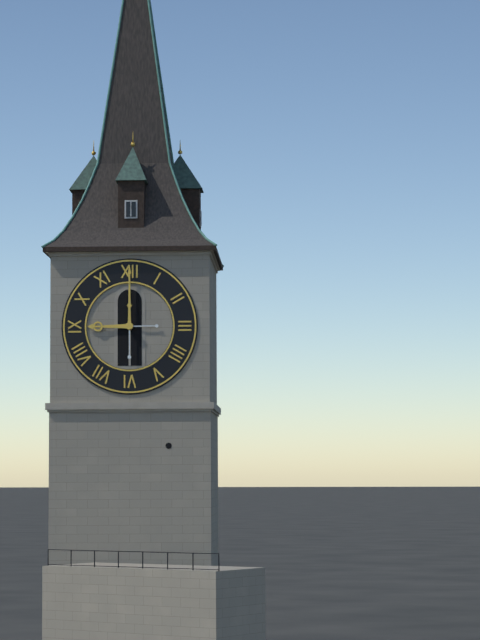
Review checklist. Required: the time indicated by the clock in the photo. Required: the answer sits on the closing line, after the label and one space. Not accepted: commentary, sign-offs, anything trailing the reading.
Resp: 9:00
